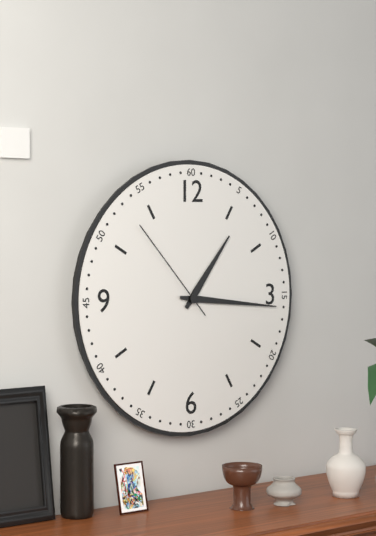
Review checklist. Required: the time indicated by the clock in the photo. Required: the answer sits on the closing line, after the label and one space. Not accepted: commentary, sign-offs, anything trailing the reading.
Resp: 1:16:53
